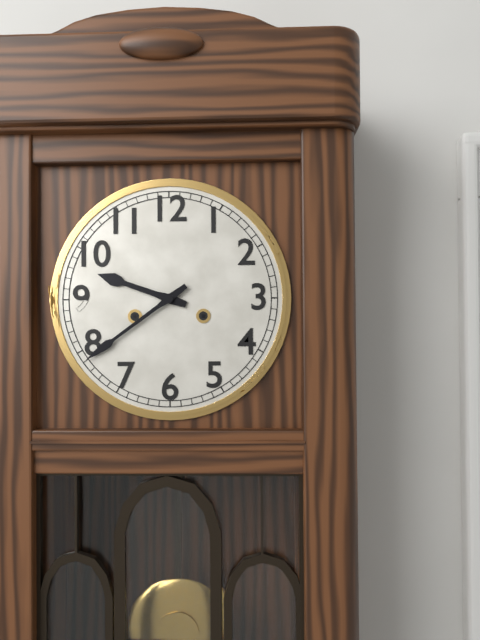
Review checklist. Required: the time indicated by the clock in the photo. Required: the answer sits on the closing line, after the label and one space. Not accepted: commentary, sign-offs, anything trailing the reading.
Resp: 9:39
